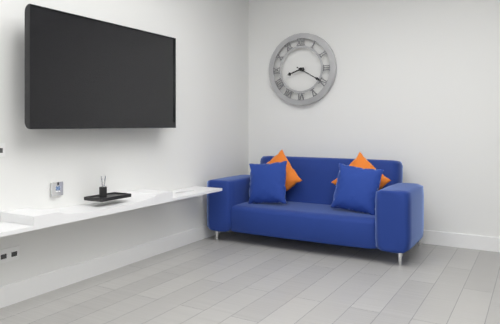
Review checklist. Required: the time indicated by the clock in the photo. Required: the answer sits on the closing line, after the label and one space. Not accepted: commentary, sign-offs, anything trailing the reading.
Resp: 8:20
